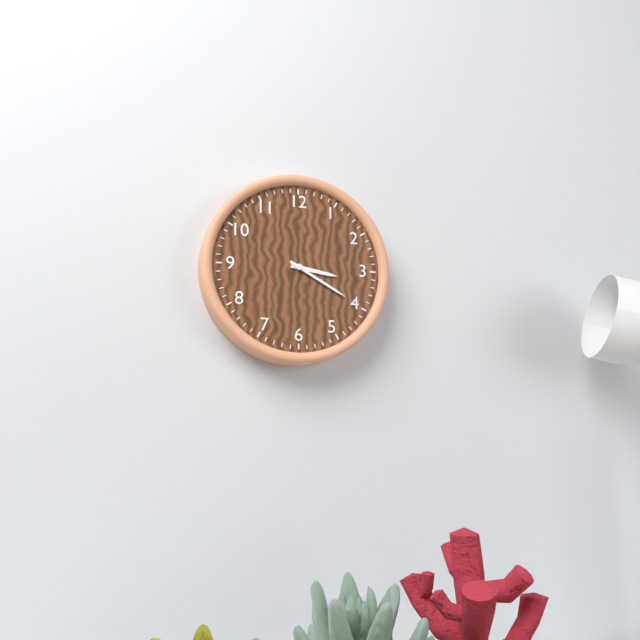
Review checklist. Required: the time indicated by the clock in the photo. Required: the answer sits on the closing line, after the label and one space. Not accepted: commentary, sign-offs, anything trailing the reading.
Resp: 3:20
